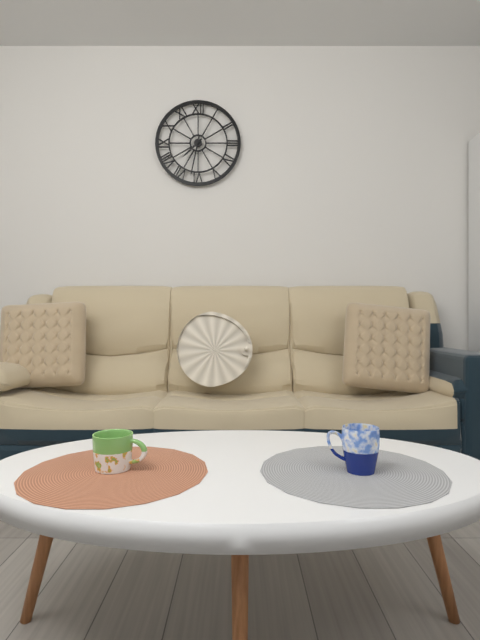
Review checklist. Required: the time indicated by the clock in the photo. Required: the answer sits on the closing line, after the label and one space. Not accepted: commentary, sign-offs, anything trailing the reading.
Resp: 7:32
